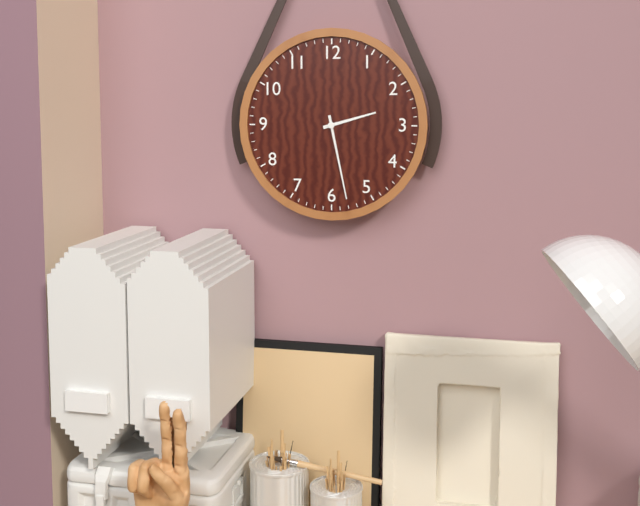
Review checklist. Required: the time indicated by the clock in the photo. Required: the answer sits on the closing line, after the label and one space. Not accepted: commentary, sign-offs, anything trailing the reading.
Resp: 2:28
